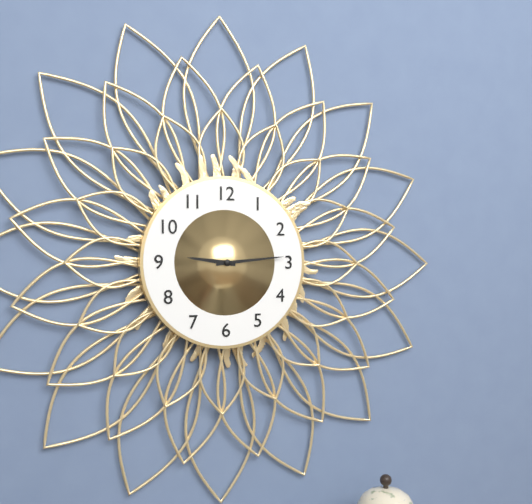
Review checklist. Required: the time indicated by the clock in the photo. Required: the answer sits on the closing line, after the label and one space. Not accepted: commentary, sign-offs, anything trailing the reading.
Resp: 9:14
